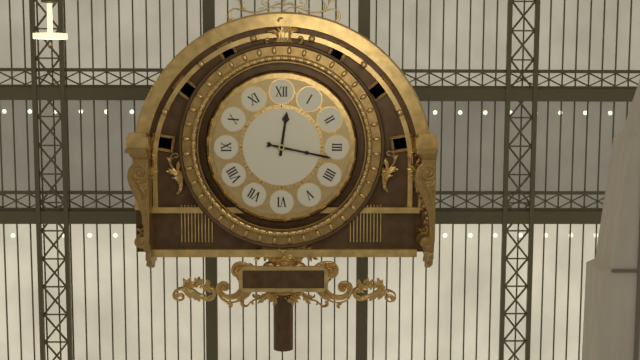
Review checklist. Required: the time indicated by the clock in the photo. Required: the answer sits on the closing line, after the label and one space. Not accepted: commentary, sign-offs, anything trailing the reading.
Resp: 12:17
